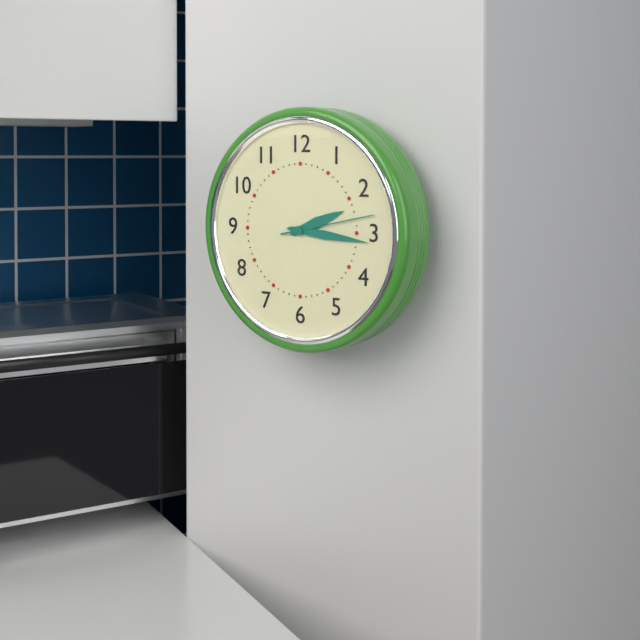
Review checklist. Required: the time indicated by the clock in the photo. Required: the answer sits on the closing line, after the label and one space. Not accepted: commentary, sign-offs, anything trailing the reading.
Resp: 2:16:13
